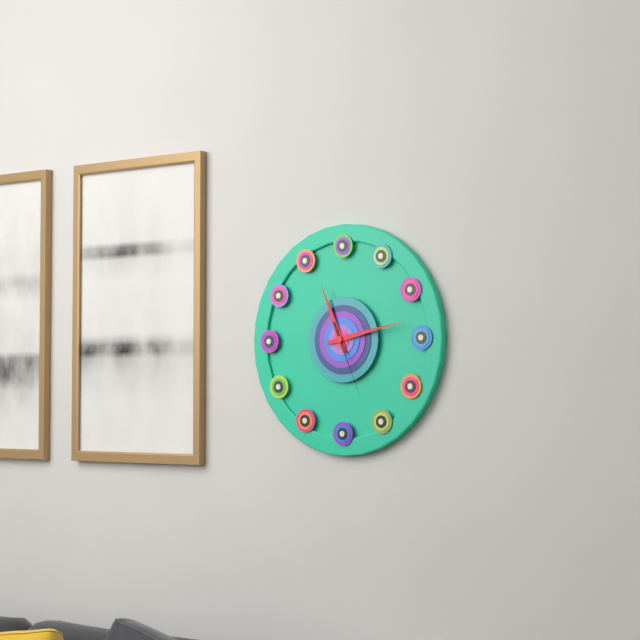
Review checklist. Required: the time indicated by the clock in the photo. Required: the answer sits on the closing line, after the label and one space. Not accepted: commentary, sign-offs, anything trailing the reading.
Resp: 11:13:26
